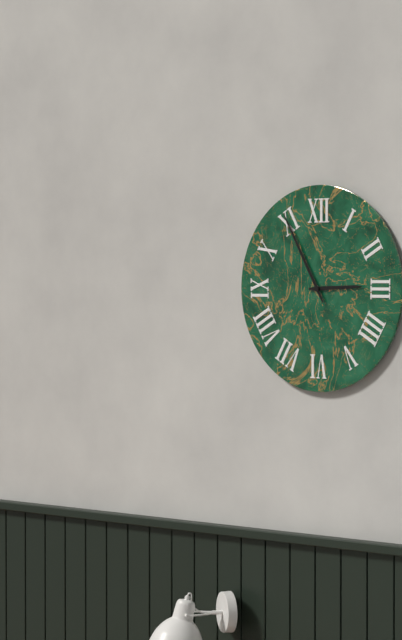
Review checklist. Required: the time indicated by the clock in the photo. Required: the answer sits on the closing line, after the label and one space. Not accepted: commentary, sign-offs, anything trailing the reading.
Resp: 2:55
